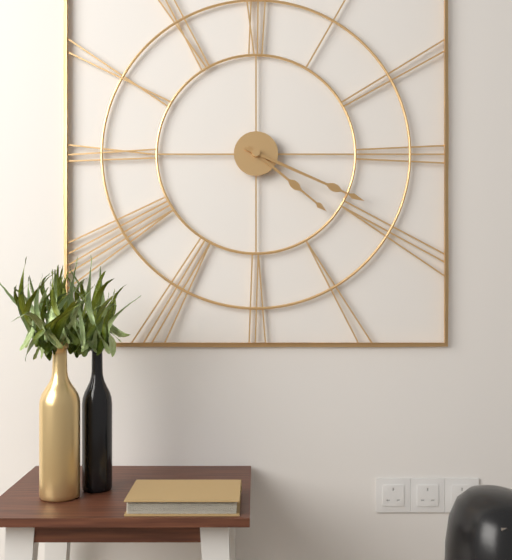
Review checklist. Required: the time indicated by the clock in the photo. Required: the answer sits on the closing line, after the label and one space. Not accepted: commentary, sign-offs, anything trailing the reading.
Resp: 4:19
